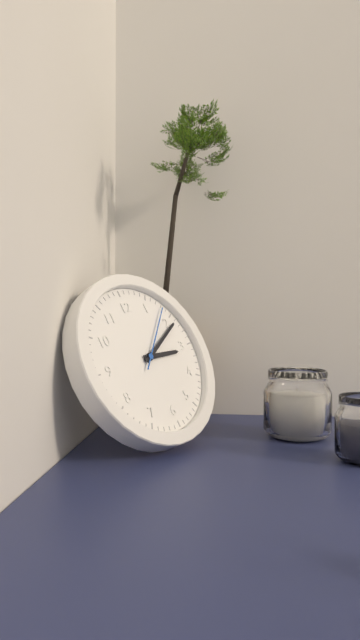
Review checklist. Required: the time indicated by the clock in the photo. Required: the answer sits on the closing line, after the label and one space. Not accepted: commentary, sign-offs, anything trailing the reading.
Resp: 3:11:08
